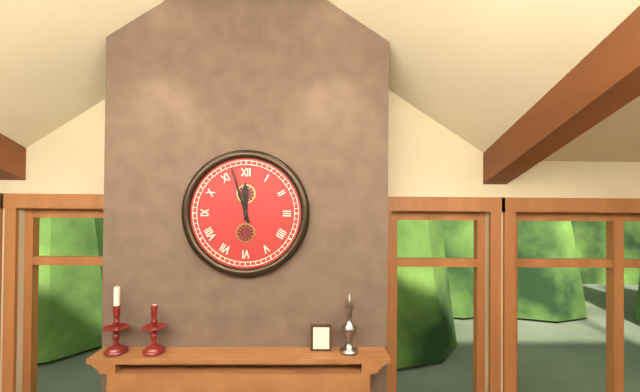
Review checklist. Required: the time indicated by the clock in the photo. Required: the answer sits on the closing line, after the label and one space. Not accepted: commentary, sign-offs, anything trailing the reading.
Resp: 11:57
